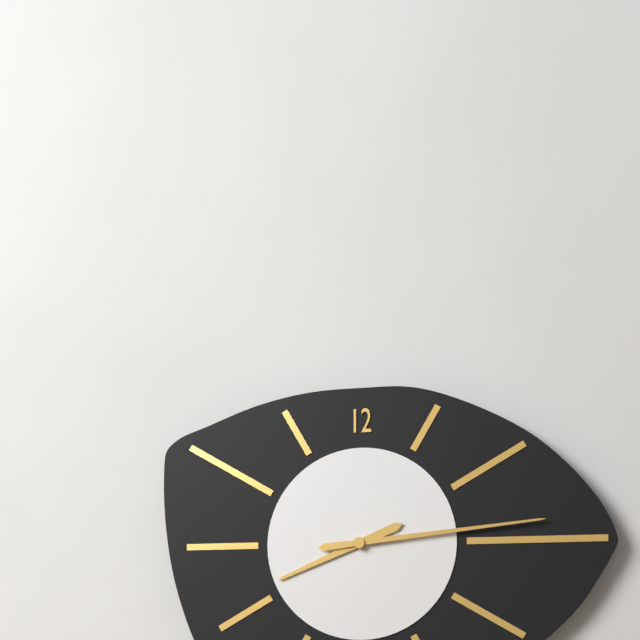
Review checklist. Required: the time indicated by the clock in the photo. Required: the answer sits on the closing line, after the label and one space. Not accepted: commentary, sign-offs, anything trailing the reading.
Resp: 8:14
